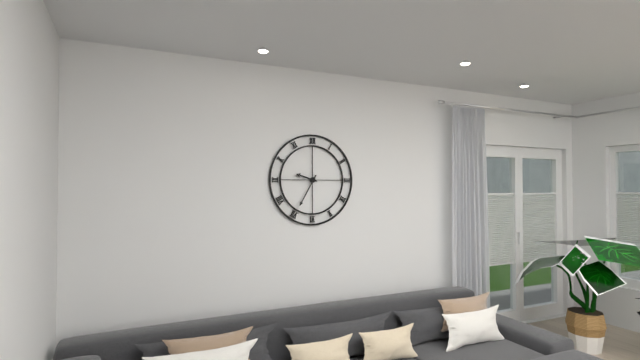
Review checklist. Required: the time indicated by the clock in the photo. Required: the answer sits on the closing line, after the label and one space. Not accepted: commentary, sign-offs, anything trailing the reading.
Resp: 9:35
